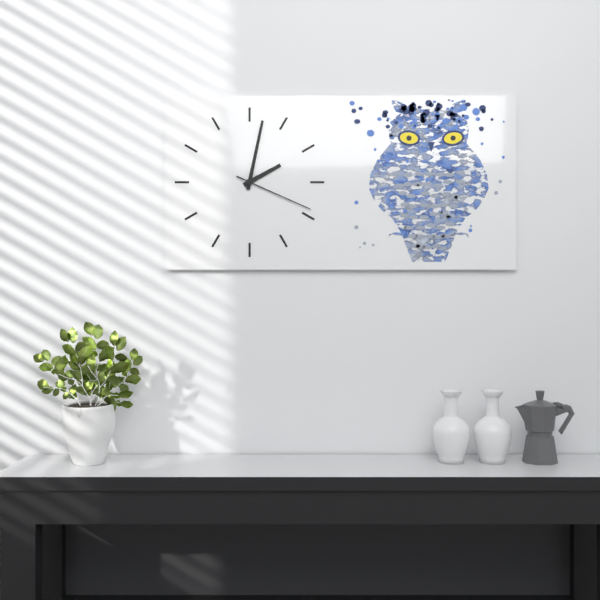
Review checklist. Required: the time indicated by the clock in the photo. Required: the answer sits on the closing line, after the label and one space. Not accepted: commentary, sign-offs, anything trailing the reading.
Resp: 2:02:19
